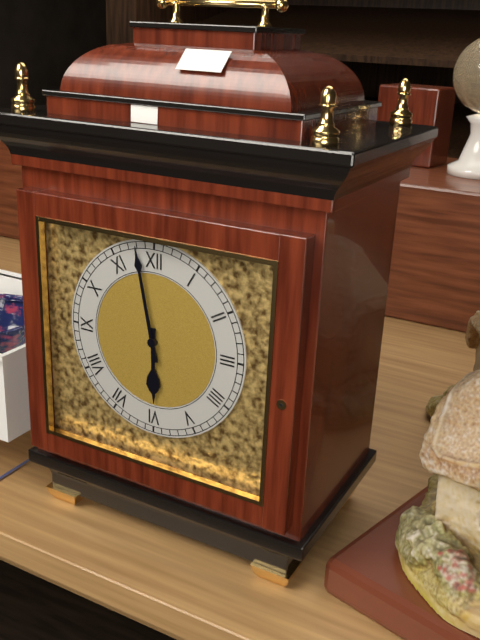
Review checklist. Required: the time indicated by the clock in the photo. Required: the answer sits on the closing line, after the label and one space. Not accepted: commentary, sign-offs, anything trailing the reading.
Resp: 5:58
